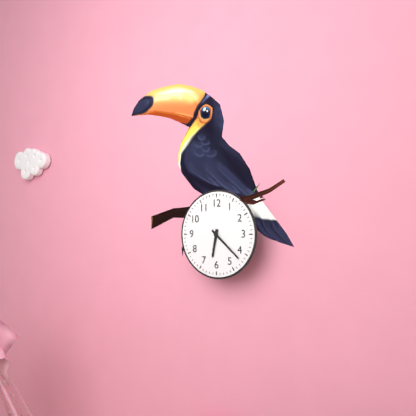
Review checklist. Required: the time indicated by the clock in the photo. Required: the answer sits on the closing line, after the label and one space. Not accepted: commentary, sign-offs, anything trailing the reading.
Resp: 6:22
